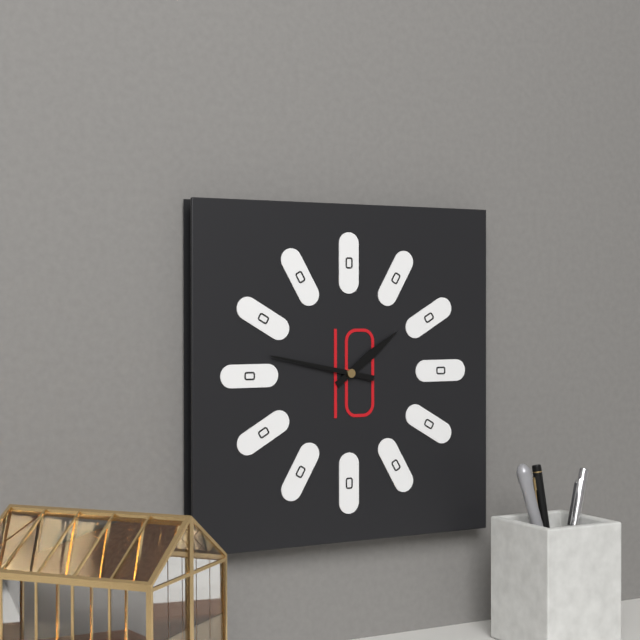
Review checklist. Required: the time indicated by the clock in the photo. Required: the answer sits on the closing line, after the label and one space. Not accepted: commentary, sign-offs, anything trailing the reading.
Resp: 1:47
